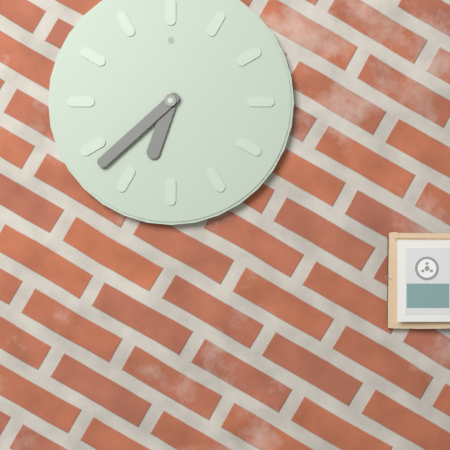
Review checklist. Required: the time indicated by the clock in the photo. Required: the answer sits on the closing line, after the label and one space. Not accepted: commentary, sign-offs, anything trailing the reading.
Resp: 6:38
